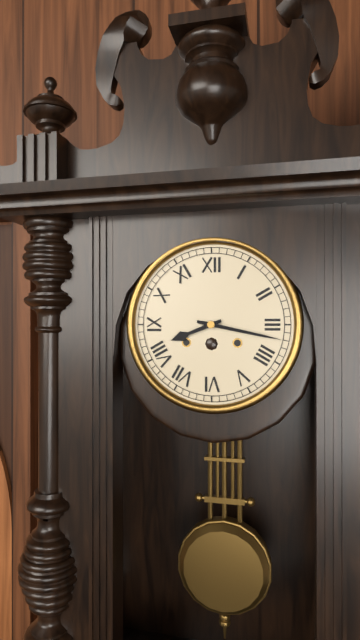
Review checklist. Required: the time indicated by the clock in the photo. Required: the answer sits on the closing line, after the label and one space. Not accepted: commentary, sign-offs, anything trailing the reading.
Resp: 8:17
